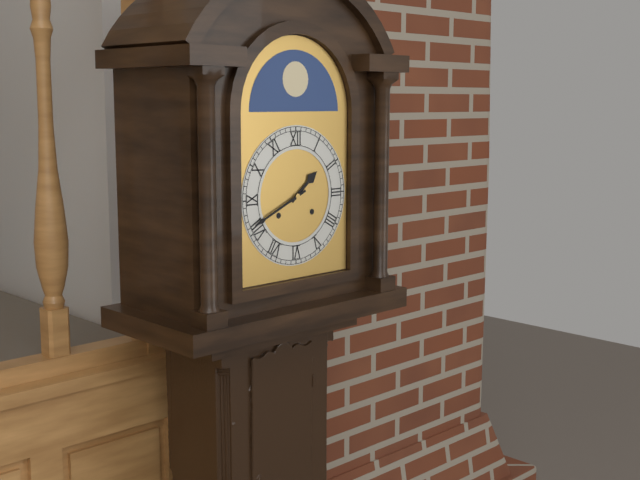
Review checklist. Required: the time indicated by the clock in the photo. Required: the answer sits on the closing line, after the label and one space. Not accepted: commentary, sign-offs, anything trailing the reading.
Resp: 1:41
